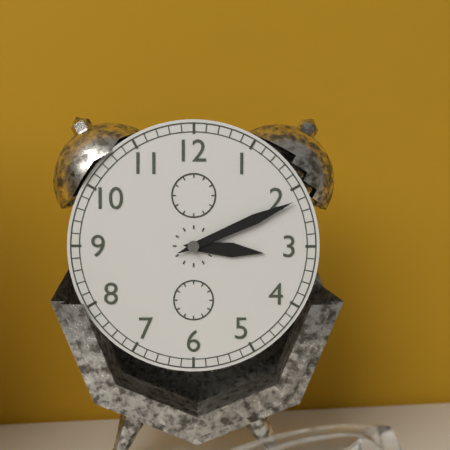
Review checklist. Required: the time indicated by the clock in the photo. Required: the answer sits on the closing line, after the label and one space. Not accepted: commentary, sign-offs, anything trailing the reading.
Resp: 3:11
